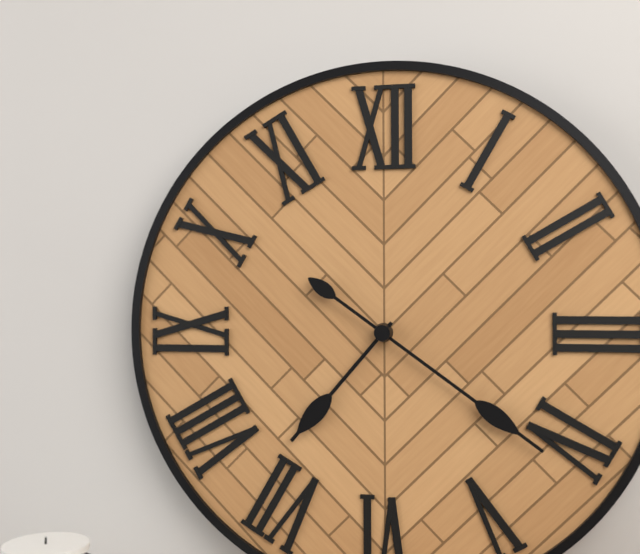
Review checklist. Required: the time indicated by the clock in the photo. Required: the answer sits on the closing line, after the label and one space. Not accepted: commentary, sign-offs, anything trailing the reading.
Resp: 7:21
